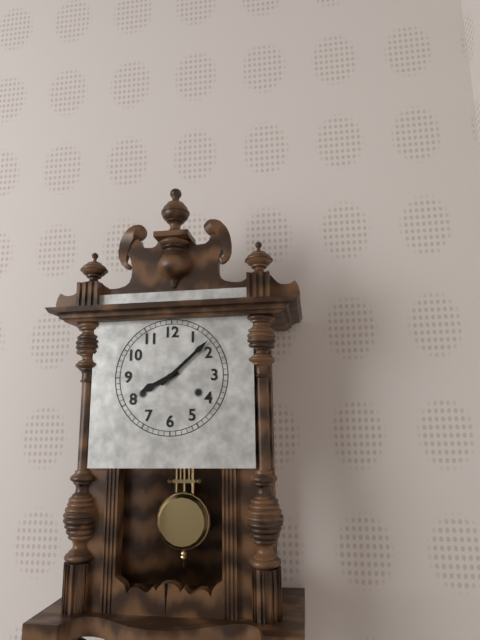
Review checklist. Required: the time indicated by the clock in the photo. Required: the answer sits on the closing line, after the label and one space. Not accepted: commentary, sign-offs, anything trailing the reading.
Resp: 8:08
